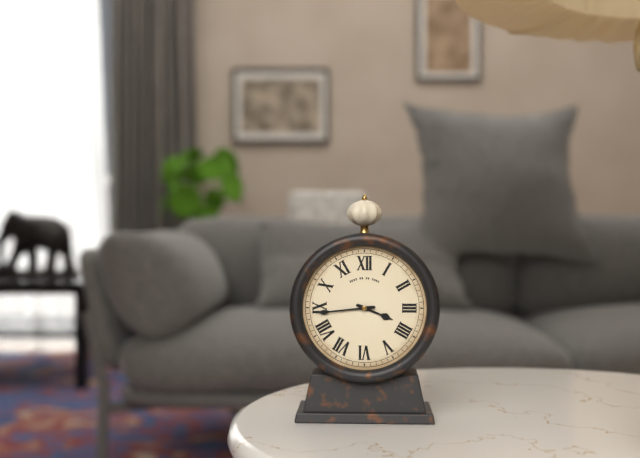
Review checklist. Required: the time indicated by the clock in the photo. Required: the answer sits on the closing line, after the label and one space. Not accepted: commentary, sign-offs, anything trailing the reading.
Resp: 3:44
